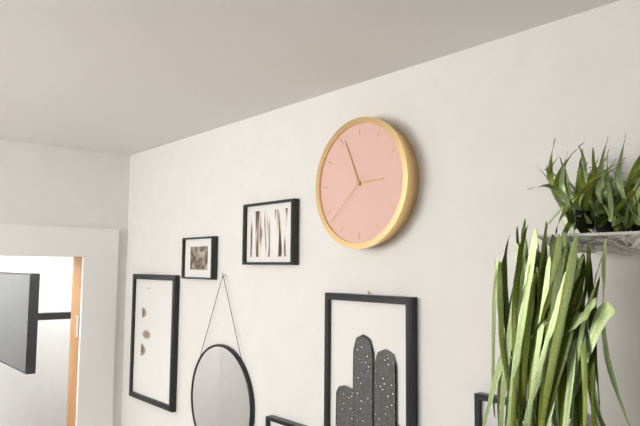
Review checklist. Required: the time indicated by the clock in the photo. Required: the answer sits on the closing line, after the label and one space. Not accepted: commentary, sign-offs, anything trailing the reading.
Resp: 2:56:38
